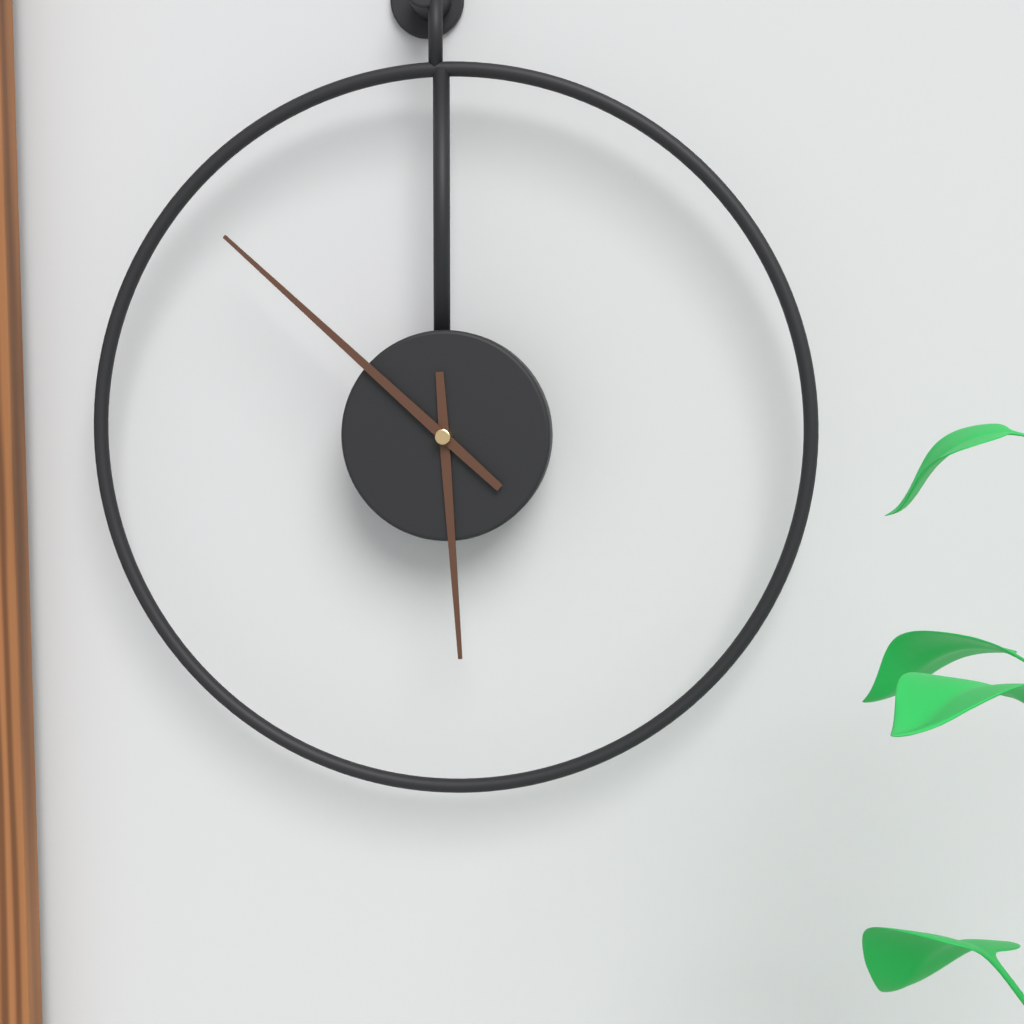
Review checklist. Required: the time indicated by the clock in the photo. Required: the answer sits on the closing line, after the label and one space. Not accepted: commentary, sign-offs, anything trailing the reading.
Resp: 5:52
